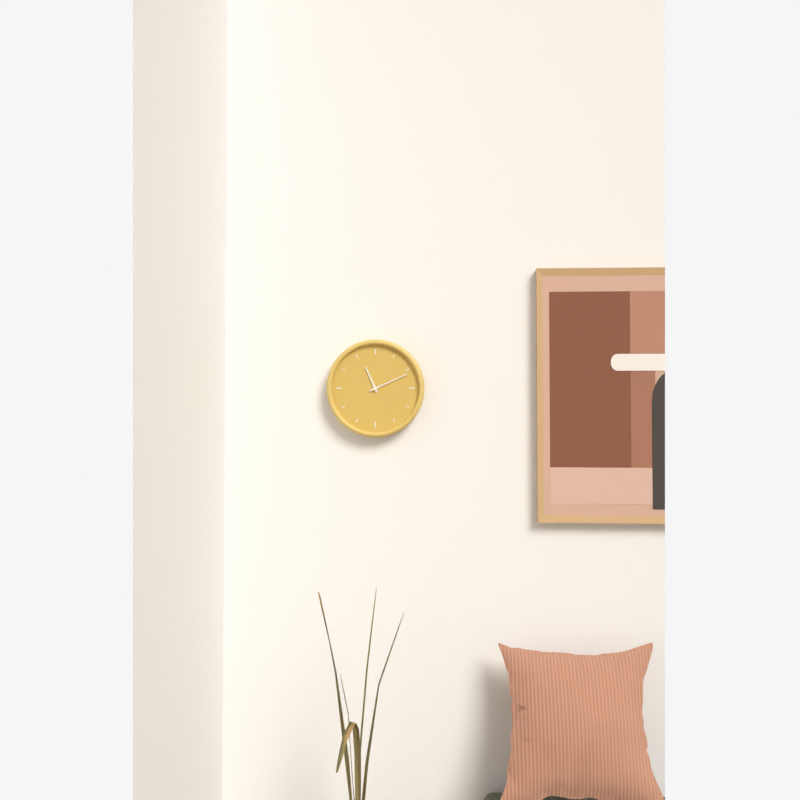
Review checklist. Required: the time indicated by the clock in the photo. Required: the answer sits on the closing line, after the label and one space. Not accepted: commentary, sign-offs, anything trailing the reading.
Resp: 11:11
